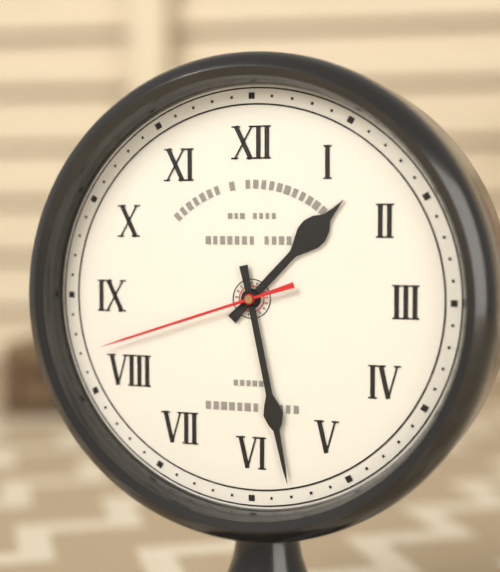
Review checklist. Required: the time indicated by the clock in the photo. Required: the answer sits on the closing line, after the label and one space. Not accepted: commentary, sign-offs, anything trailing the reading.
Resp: 1:28:42
